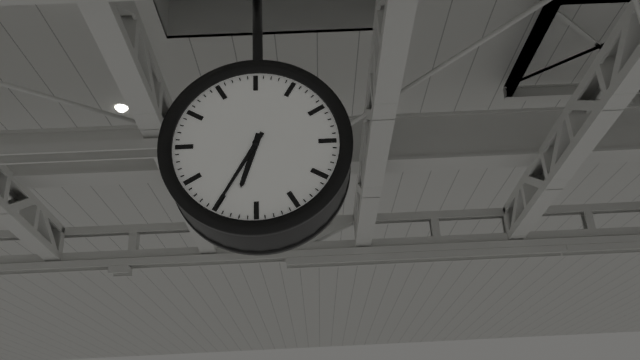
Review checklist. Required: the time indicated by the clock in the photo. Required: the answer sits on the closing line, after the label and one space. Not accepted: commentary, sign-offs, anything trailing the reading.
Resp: 6:35
